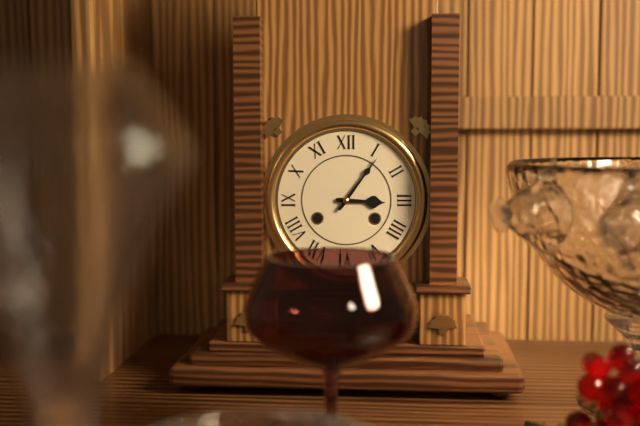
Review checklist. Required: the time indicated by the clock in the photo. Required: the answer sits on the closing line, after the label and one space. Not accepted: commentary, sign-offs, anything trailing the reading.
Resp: 3:06
